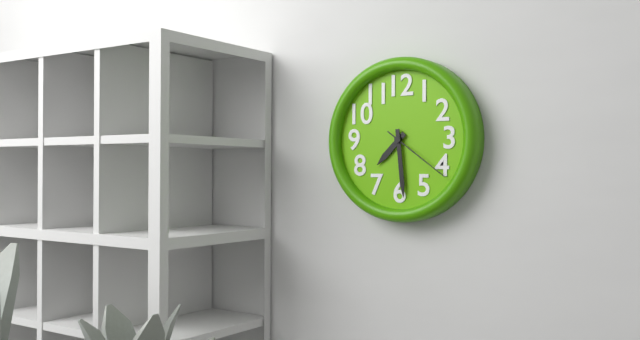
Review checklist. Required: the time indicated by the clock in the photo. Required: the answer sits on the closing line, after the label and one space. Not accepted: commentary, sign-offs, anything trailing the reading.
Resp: 7:29:21
